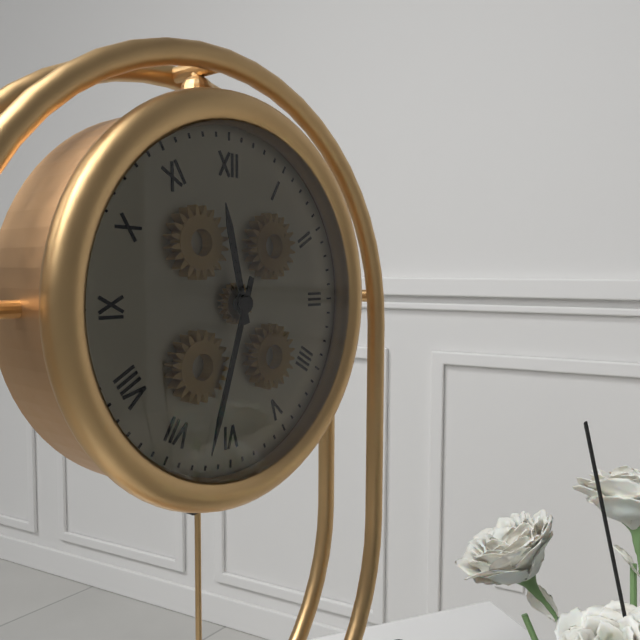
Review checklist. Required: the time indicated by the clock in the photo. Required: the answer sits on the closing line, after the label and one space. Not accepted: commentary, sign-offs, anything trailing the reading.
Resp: 11:33
